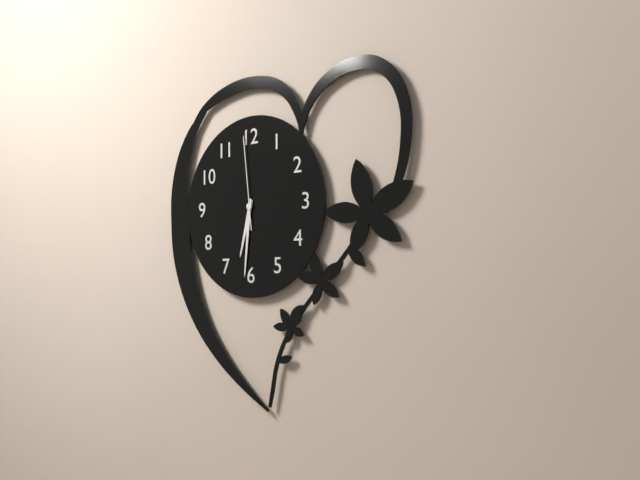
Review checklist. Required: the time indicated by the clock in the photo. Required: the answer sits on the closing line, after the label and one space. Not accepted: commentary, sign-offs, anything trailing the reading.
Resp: 6:31:59
